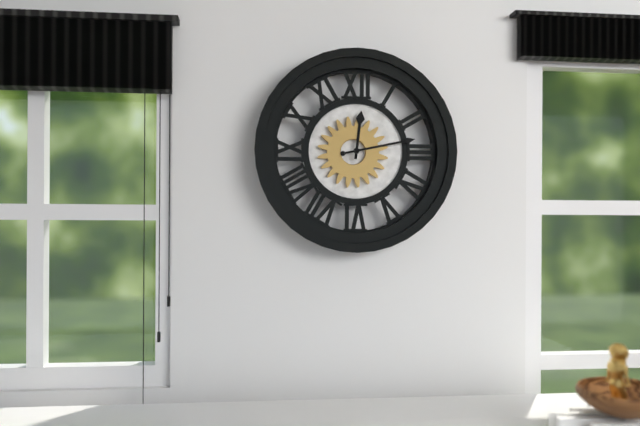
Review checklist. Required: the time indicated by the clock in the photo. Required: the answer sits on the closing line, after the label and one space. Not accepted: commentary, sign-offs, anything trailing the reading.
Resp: 12:13
